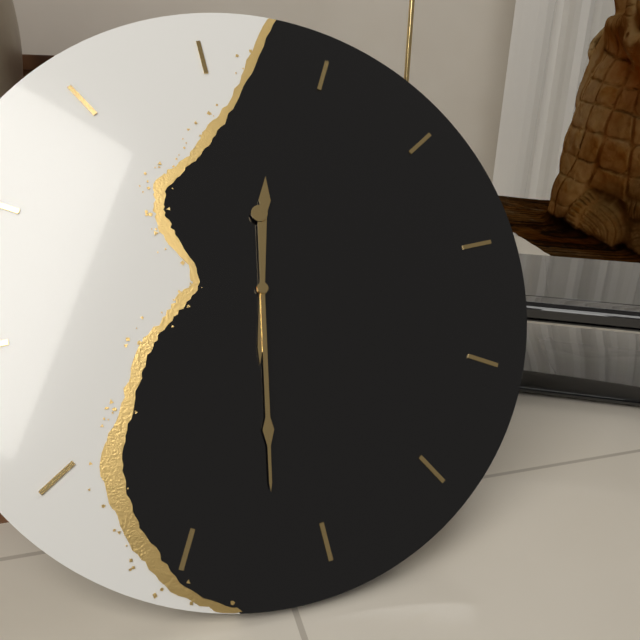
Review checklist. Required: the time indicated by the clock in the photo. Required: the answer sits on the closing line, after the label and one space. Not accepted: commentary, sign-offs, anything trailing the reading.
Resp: 12:32
